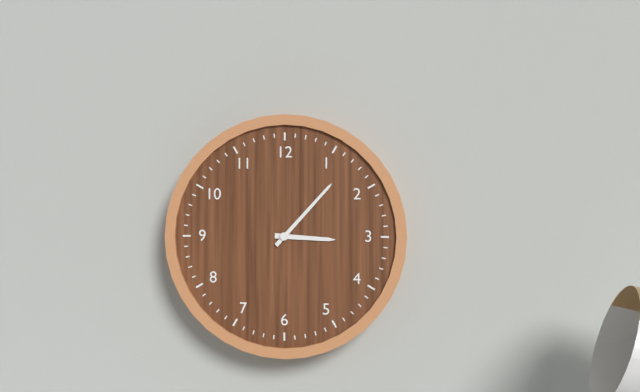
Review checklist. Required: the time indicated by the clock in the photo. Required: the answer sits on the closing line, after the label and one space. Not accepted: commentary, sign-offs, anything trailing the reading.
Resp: 3:07
